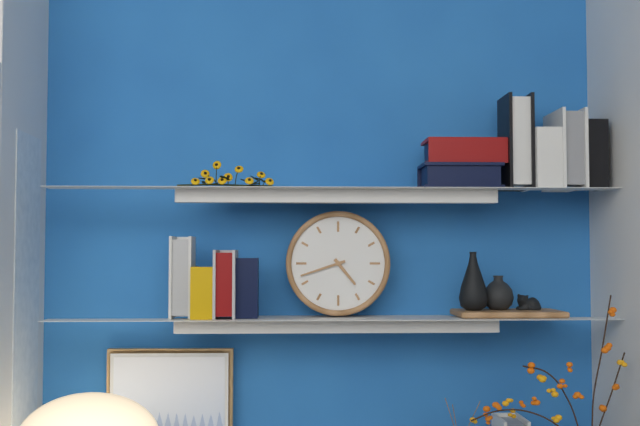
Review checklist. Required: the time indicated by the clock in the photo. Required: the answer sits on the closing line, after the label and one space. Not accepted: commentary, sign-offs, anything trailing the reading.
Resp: 4:42
